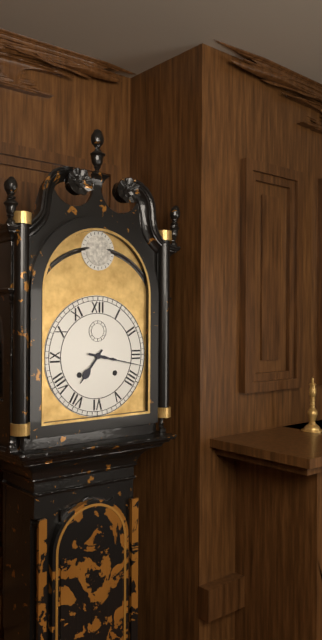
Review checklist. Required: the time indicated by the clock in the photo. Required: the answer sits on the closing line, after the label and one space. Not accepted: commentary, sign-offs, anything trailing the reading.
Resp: 7:17
